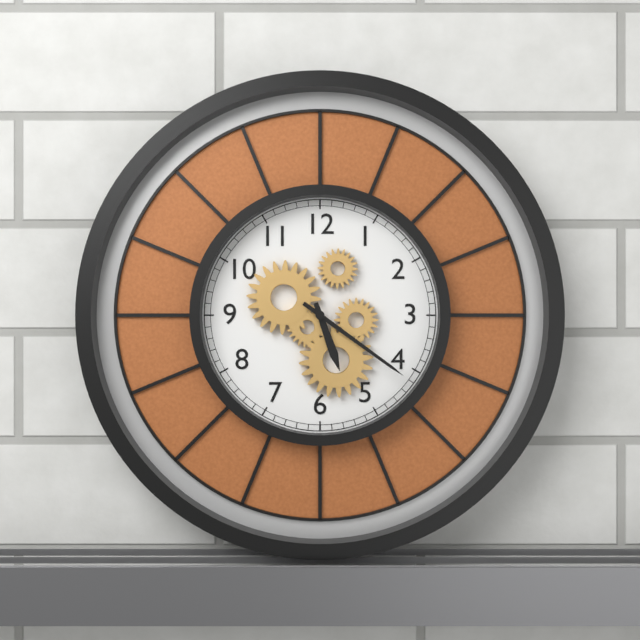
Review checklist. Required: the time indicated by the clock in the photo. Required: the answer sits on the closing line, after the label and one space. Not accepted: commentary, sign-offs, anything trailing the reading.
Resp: 5:21
